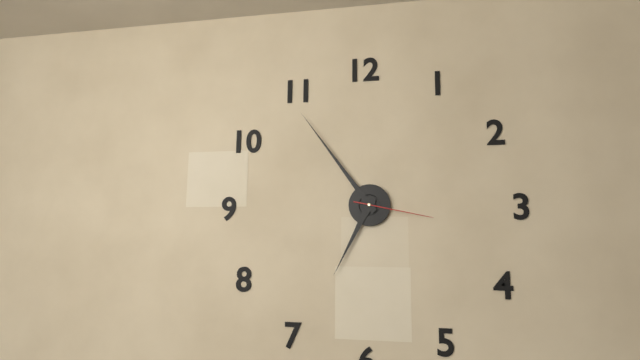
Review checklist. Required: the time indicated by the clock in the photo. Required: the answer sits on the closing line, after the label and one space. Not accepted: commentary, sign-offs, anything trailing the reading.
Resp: 6:54:17
